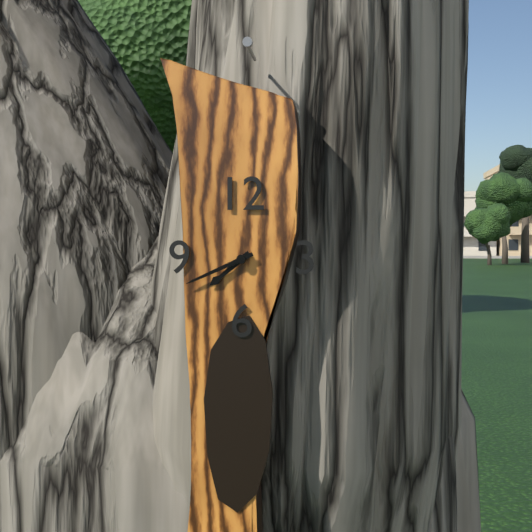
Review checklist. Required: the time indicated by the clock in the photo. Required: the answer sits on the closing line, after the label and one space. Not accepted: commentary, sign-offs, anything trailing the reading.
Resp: 7:41
